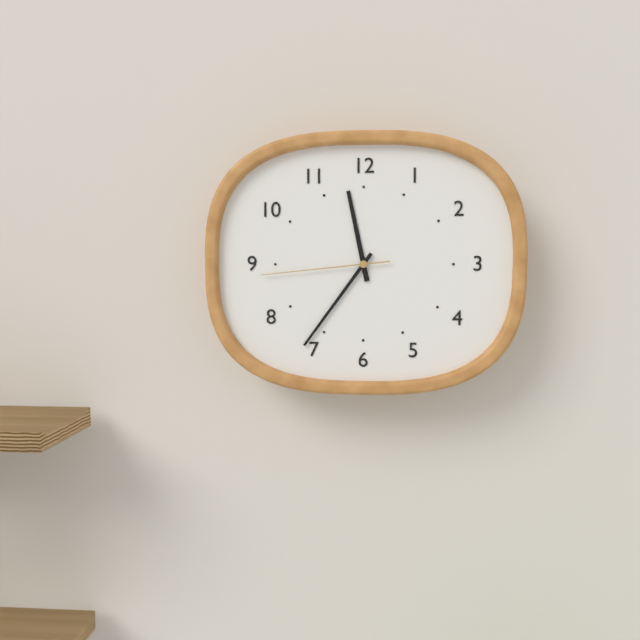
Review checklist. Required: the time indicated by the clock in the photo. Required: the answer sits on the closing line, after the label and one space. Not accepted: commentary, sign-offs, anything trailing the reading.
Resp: 11:36:44
